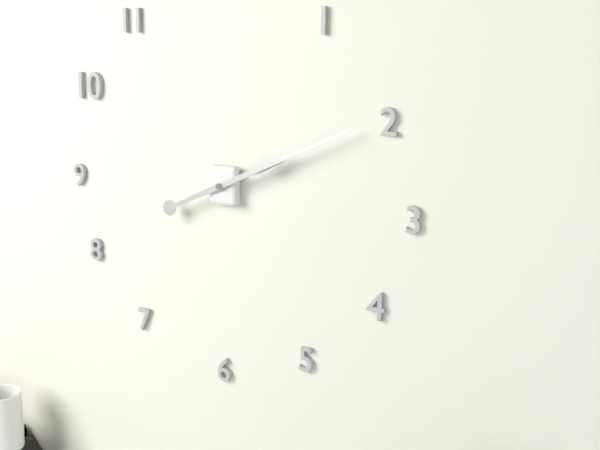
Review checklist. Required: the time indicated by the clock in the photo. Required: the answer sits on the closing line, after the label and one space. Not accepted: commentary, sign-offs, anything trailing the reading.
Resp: 2:11
